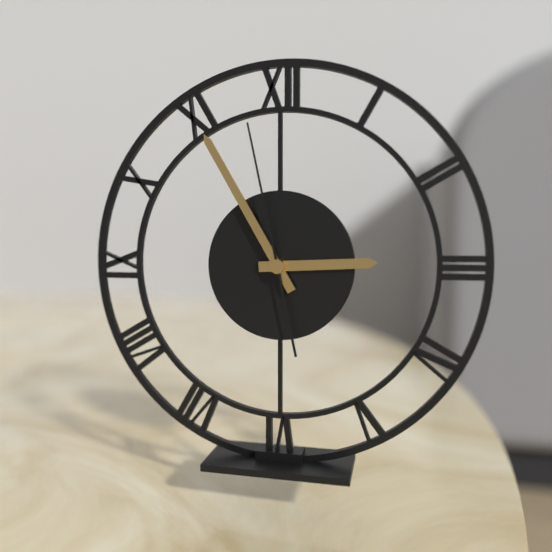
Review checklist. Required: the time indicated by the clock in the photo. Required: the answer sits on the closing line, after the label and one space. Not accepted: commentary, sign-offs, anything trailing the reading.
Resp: 2:55:58
